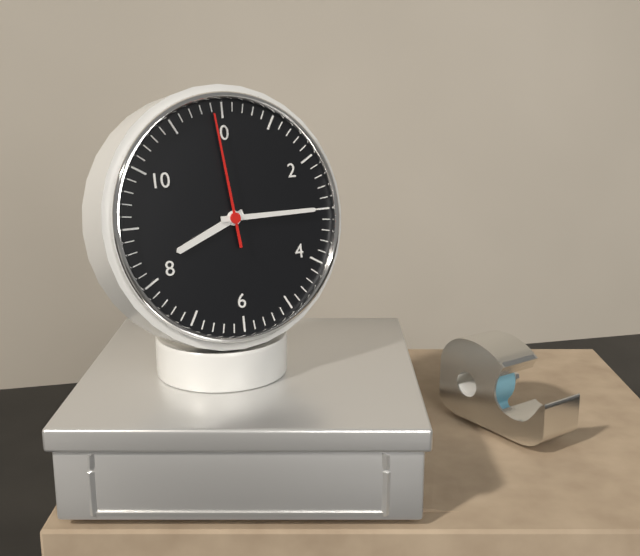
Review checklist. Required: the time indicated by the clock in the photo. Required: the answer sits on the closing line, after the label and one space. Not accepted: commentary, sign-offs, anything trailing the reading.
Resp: 8:15:59
